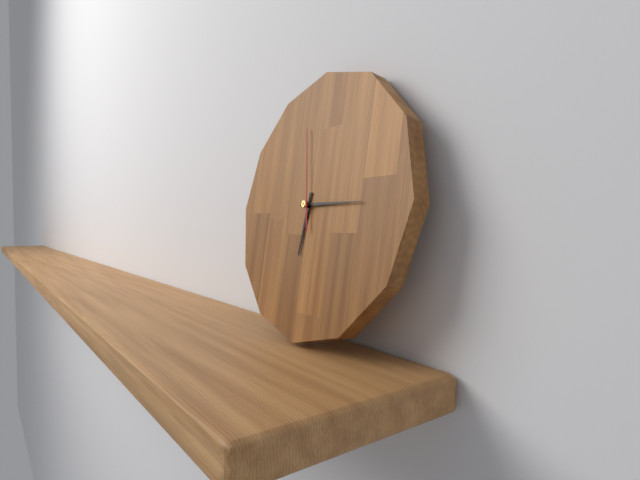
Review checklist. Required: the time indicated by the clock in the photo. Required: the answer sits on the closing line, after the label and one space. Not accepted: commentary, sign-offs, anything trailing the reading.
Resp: 6:15:58
